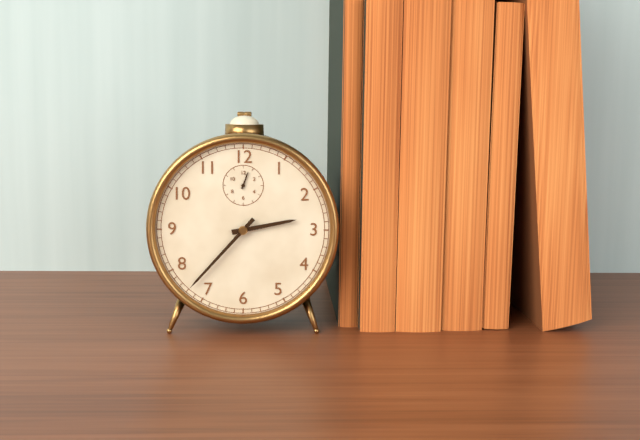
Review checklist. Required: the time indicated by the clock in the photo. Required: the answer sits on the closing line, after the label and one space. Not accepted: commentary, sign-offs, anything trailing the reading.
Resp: 2:37
